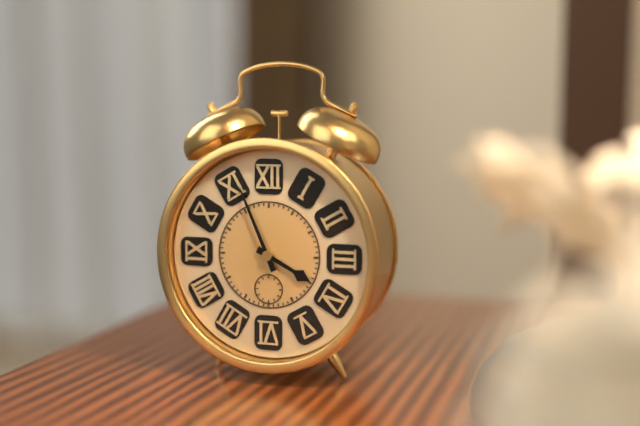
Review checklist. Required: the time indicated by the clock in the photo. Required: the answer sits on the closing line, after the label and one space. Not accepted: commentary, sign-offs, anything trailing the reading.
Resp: 3:56
